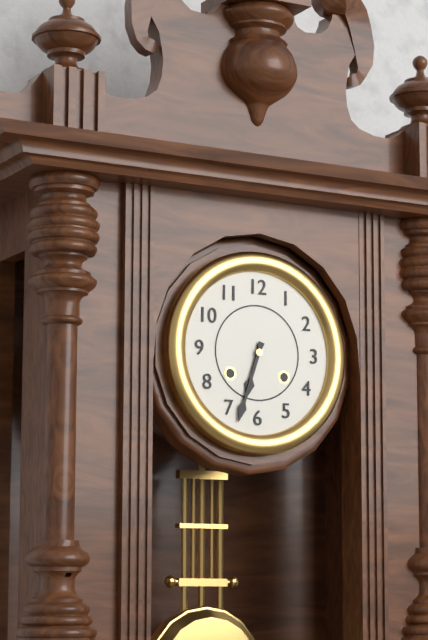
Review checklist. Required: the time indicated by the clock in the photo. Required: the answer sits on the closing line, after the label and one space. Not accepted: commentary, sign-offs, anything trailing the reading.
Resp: 6:33
